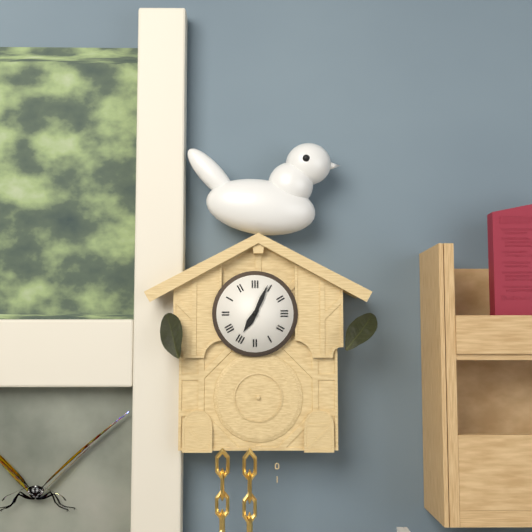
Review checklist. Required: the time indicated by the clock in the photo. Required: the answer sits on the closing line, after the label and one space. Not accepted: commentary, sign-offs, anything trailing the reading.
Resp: 7:04
